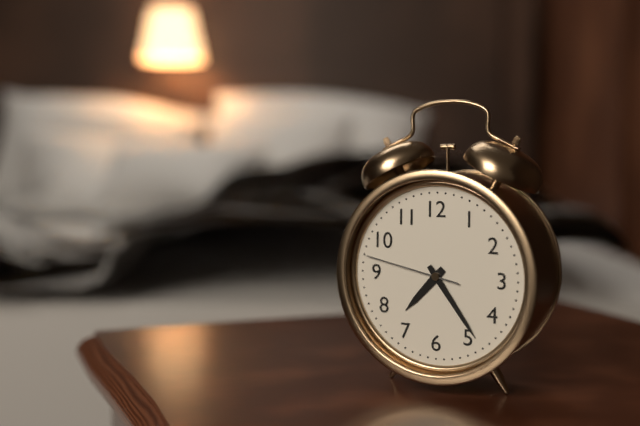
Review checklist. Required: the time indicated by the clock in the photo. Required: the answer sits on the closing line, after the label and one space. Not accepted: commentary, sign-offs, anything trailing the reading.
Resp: 7:24:47
